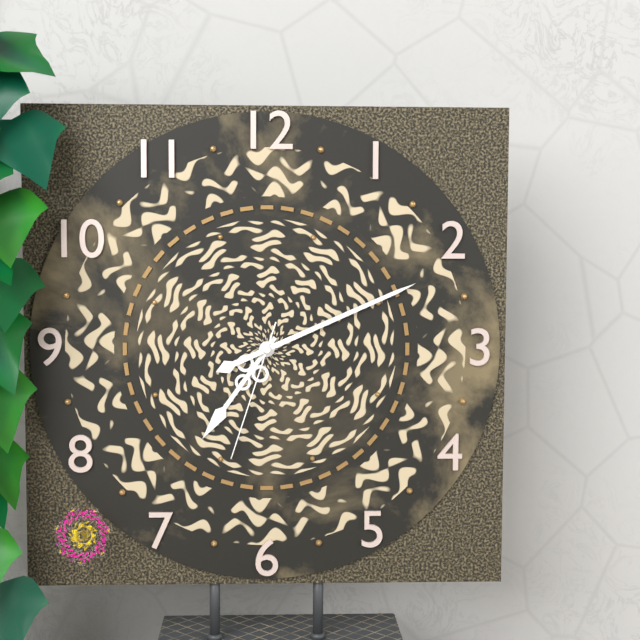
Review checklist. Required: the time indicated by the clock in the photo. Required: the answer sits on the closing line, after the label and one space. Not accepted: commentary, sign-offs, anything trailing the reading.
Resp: 7:11:33
